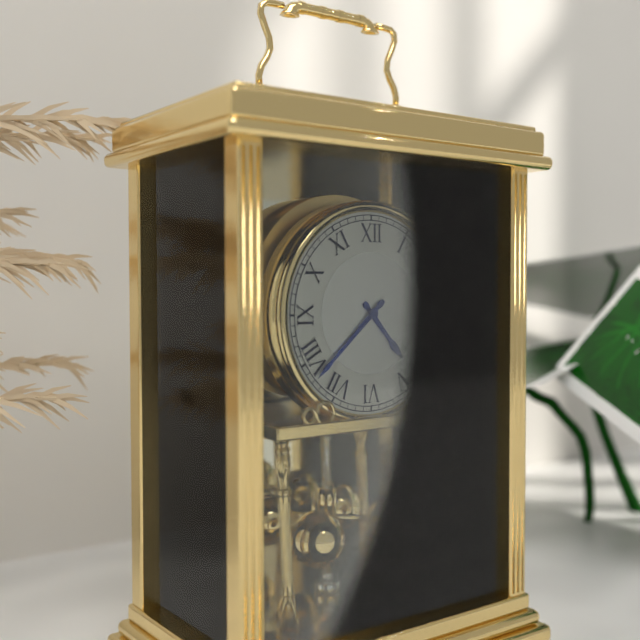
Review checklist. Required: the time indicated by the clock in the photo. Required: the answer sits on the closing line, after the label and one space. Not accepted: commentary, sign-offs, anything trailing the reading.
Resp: 4:38
